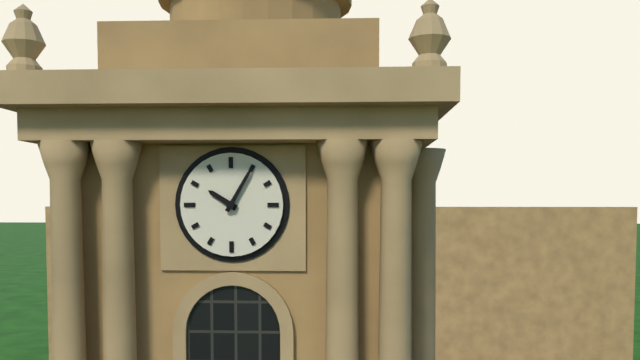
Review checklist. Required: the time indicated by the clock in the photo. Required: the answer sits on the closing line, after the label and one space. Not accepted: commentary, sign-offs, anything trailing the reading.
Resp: 10:05
